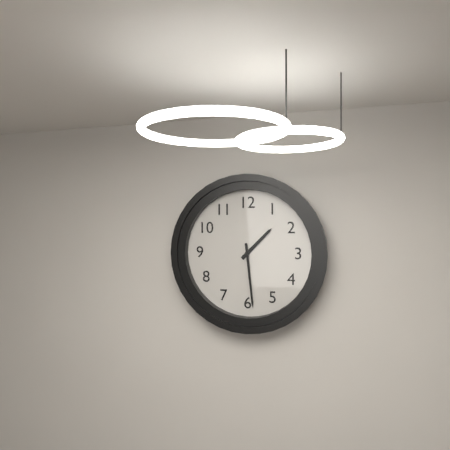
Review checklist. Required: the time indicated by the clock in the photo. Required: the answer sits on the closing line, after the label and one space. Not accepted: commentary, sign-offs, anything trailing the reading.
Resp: 1:29
